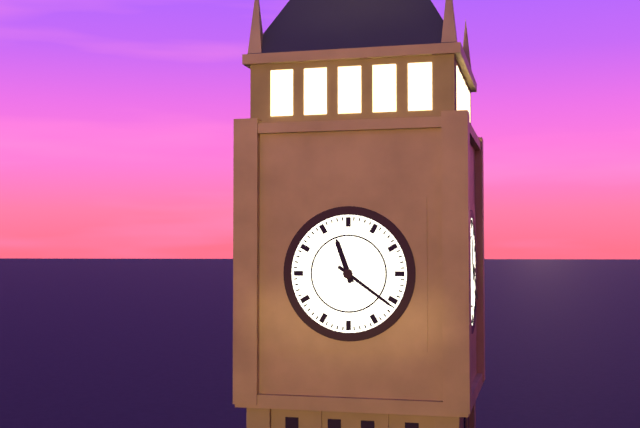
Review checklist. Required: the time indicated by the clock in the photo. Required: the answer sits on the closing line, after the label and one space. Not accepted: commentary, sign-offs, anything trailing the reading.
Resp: 11:21
